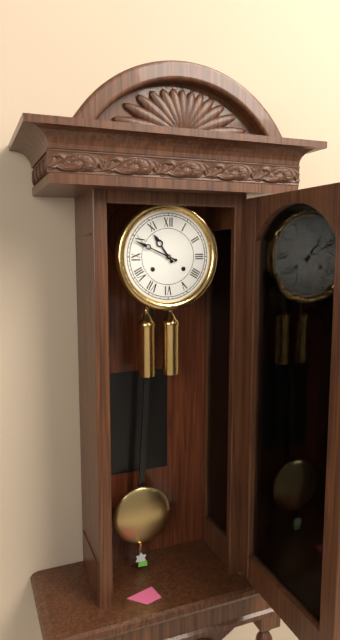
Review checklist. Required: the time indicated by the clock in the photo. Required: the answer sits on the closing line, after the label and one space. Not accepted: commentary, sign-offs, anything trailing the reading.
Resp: 10:49
